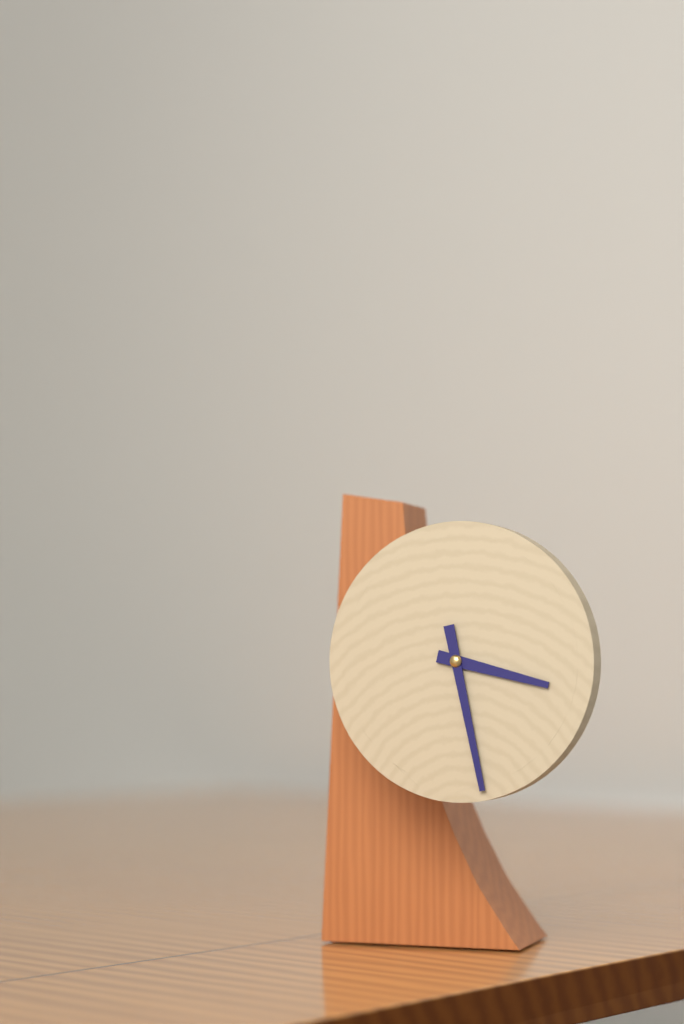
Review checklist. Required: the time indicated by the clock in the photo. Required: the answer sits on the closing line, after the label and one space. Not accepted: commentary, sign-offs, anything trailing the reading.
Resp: 3:28
